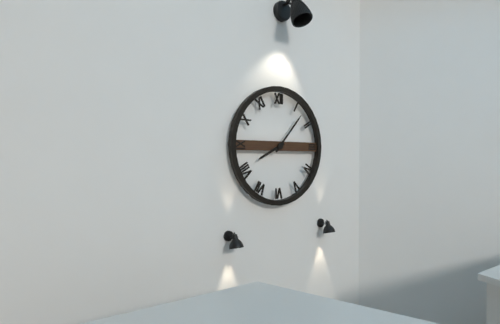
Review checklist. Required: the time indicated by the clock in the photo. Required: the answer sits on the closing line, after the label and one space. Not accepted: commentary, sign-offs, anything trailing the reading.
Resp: 8:07
